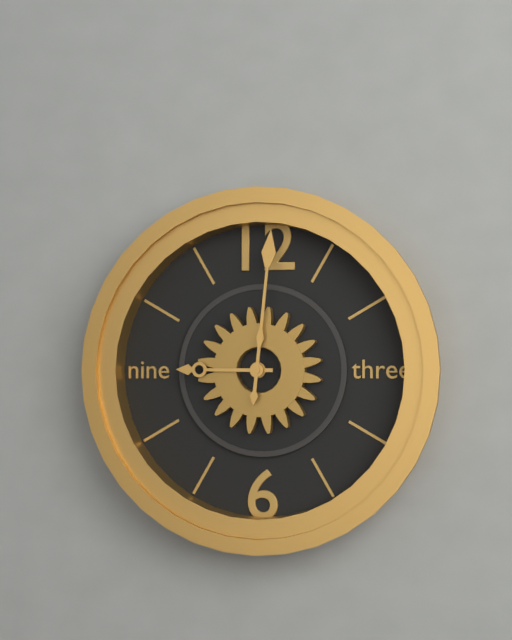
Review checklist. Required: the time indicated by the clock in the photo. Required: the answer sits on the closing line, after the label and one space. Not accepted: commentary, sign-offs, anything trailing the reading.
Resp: 9:01
